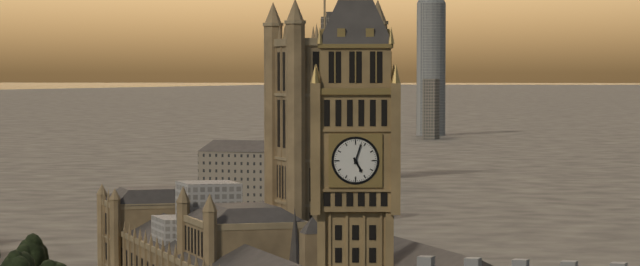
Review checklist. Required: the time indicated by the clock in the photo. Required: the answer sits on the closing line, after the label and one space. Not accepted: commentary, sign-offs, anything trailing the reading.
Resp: 5:03
